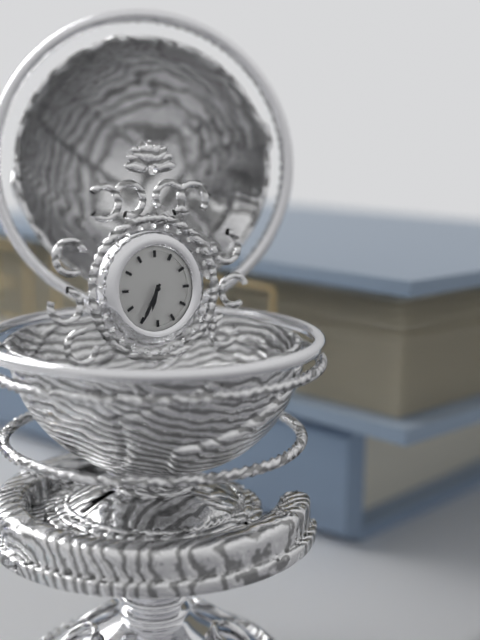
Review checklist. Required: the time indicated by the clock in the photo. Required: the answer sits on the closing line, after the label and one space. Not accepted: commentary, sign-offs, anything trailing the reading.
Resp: 6:35
